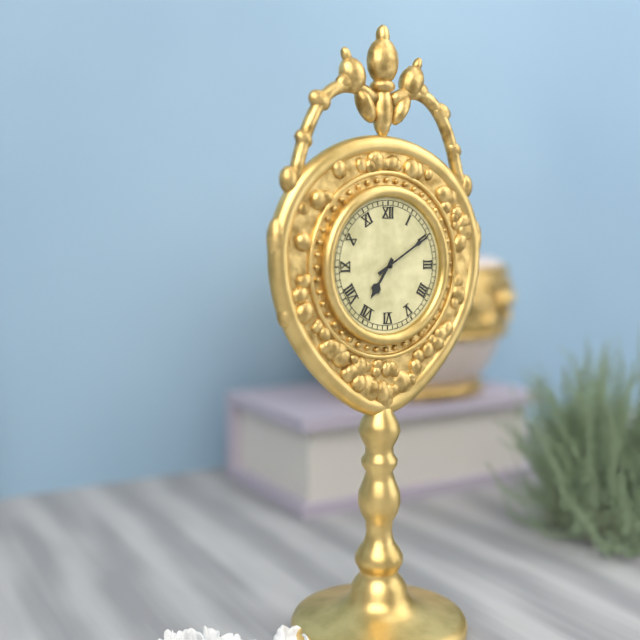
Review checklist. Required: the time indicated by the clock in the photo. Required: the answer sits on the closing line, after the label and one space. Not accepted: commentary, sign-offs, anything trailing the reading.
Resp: 7:10
